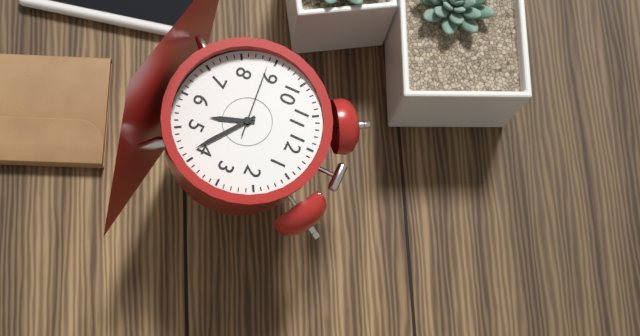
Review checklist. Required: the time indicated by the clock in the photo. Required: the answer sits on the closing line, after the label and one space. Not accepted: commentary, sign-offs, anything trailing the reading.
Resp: 5:21:44
